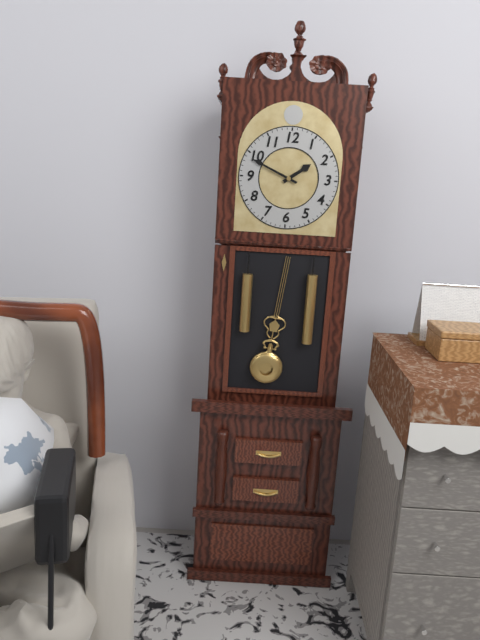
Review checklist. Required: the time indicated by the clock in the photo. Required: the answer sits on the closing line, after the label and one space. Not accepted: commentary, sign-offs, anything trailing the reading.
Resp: 1:49
